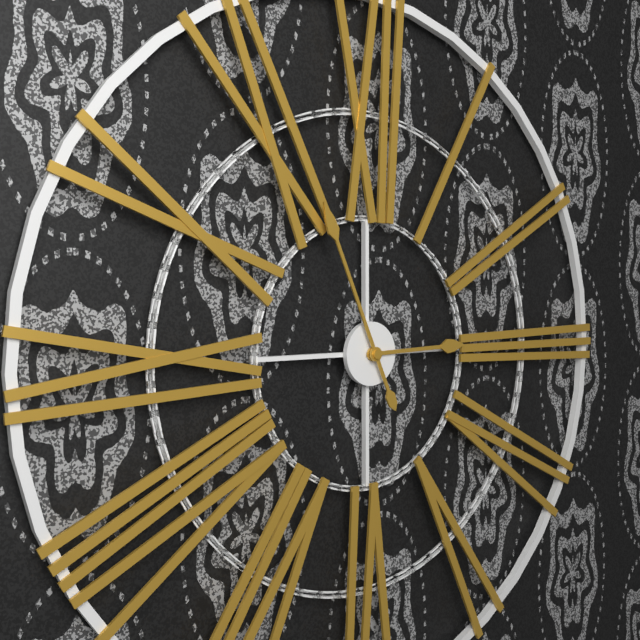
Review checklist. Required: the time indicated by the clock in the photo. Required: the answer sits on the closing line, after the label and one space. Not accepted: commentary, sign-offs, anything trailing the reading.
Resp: 2:56
